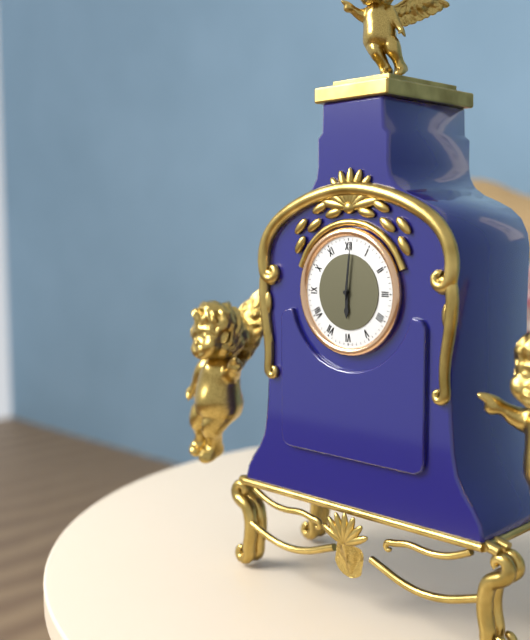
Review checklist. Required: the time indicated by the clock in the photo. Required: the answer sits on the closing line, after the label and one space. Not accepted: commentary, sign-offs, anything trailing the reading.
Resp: 6:01
